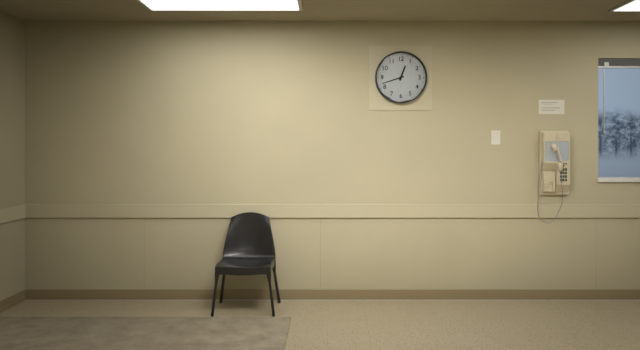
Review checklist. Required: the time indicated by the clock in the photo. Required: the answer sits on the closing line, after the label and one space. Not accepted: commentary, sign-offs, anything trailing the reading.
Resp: 12:42
